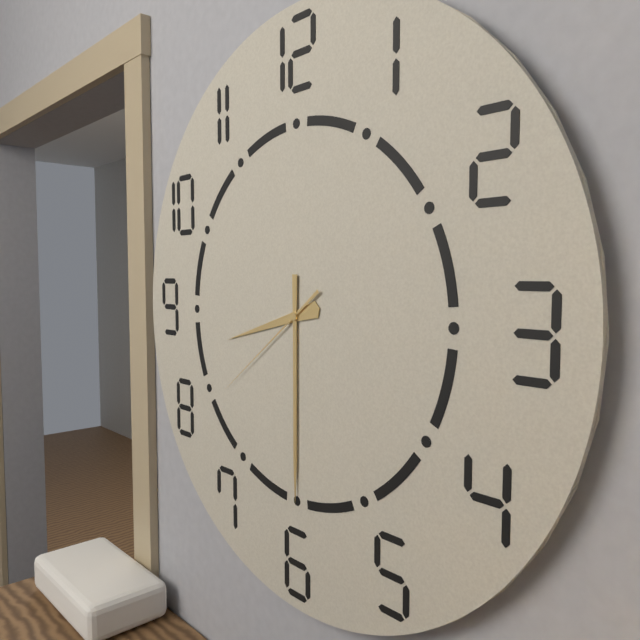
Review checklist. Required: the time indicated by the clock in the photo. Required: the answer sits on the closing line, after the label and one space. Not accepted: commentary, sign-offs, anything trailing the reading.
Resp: 8:30:39
